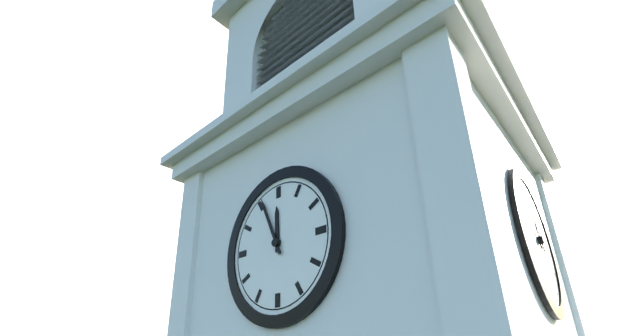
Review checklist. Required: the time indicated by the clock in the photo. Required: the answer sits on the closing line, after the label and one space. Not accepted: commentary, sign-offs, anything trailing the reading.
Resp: 11:56
